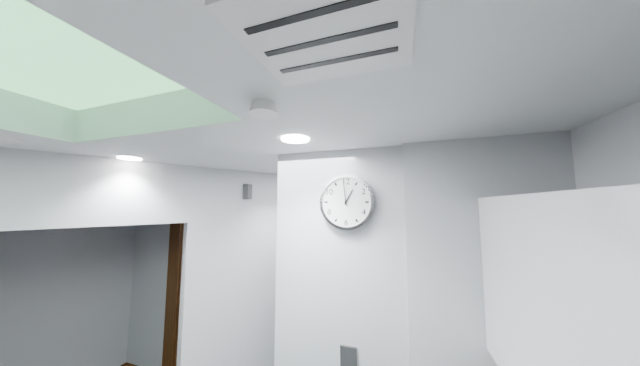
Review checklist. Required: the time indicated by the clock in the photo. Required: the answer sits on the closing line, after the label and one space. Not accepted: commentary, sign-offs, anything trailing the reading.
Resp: 12:59
